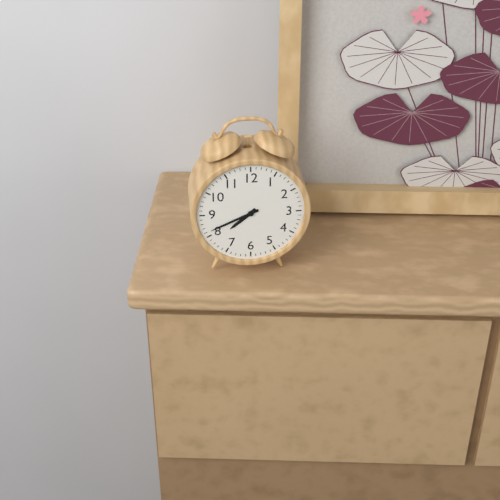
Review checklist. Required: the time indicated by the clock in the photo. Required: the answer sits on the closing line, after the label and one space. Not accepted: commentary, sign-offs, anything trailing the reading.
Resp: 7:41
